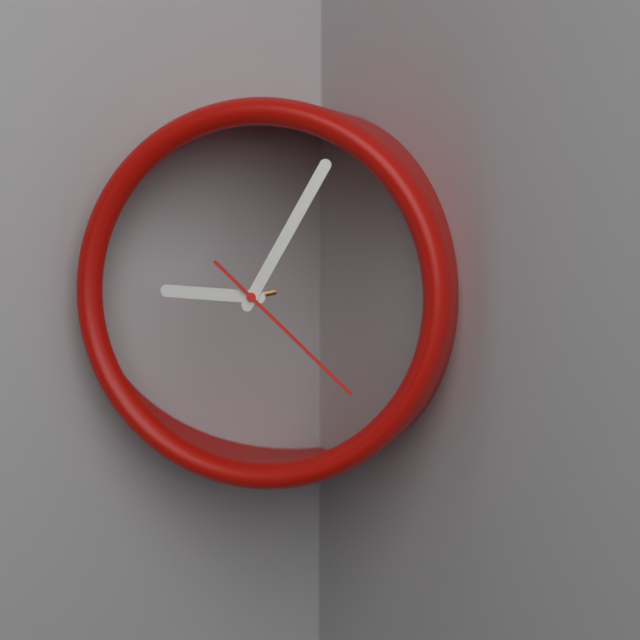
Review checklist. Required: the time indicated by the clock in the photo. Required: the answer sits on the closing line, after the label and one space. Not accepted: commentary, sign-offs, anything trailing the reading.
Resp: 9:05:22
